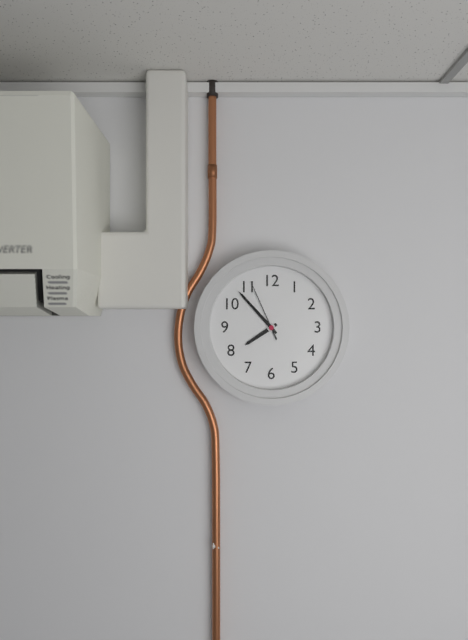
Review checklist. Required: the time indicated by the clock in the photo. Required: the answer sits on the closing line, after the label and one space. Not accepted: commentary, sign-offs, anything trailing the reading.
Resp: 7:53:56
